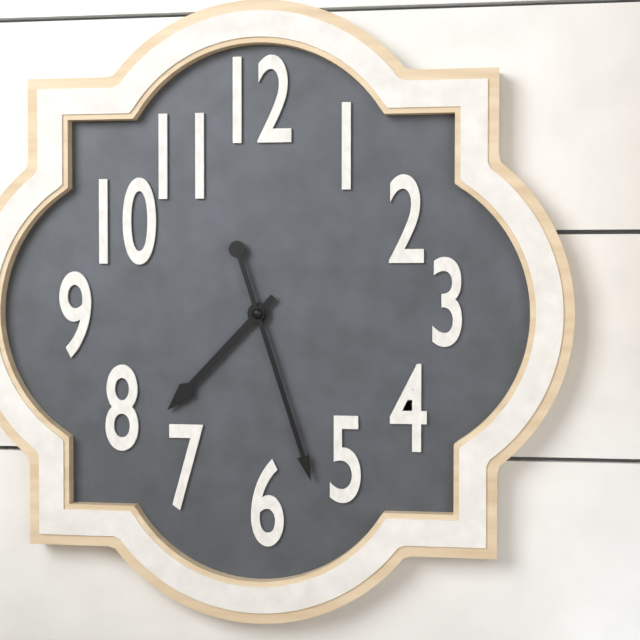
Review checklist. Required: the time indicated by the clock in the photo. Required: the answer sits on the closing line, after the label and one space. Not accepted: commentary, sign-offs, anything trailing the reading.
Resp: 7:27
